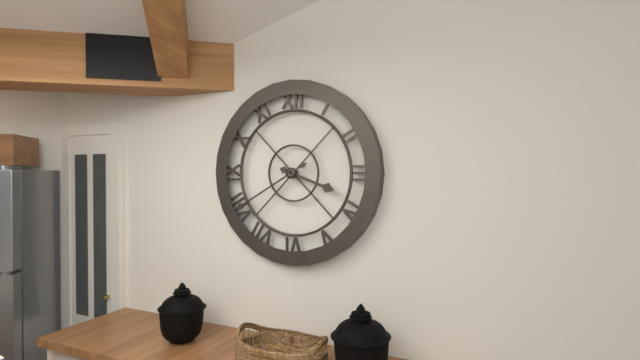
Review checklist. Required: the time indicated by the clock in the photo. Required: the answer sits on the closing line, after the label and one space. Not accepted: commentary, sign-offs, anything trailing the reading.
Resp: 3:40
